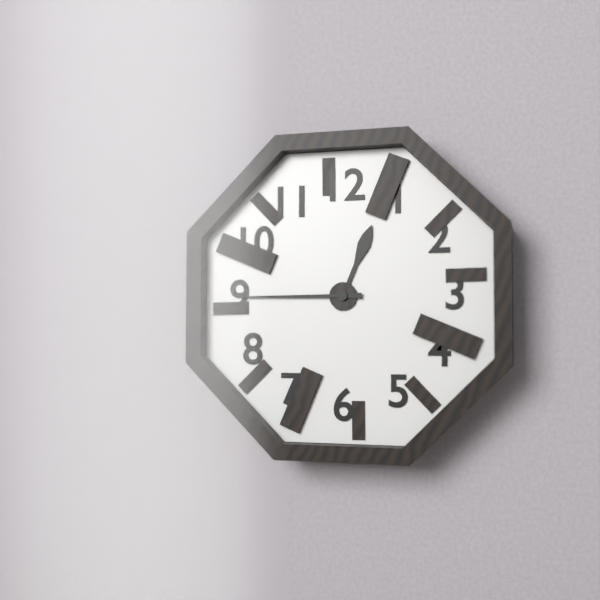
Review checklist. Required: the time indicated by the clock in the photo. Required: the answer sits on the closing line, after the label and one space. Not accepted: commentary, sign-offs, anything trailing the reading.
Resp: 12:45
